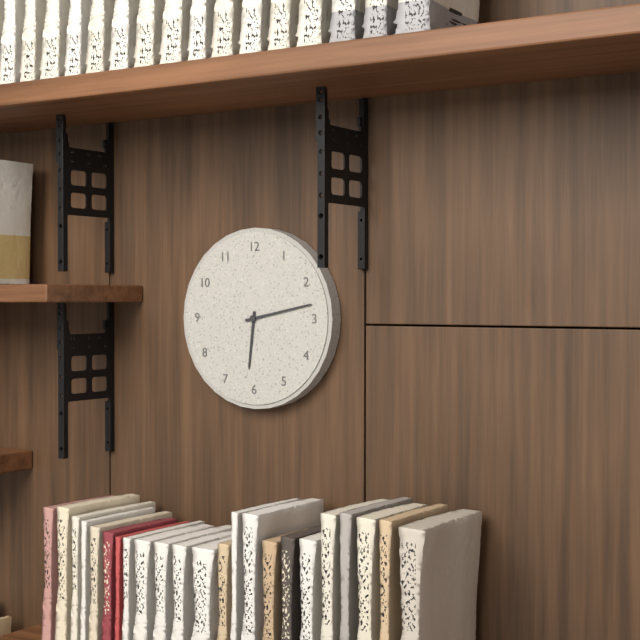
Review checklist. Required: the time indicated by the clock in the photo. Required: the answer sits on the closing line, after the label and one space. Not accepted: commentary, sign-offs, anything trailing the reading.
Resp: 6:13
